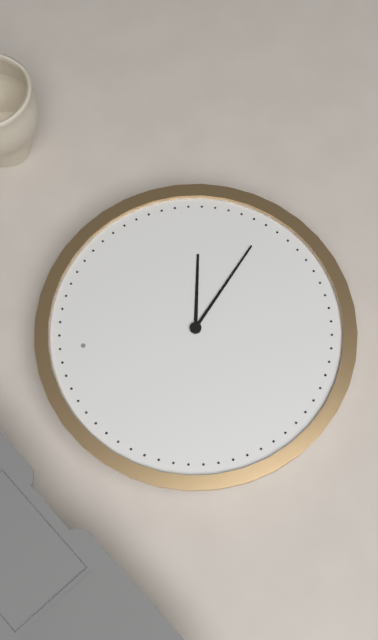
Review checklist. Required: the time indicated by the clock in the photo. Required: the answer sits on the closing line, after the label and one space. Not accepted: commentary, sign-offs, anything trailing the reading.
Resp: 3:22
